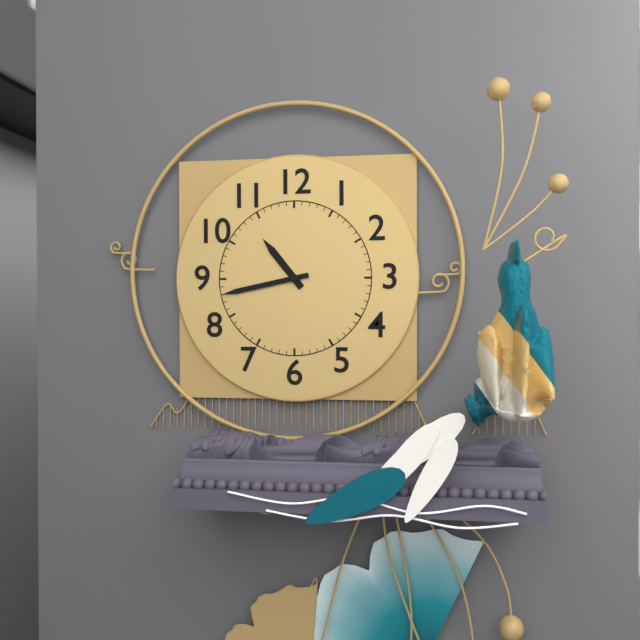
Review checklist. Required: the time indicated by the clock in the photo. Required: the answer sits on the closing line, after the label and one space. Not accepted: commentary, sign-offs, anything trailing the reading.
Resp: 10:43
